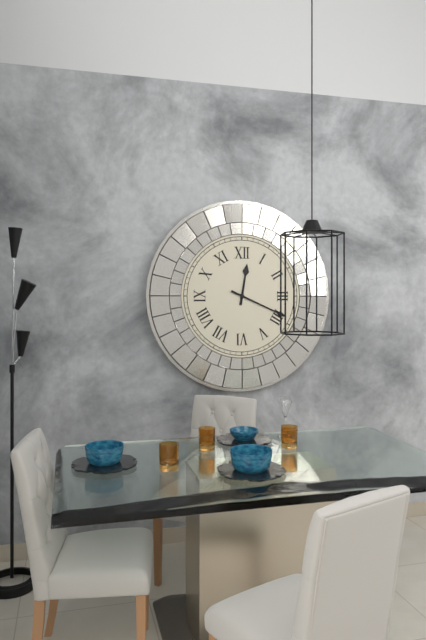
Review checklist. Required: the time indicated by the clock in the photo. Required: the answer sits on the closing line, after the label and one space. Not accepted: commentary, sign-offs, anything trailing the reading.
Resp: 12:19
